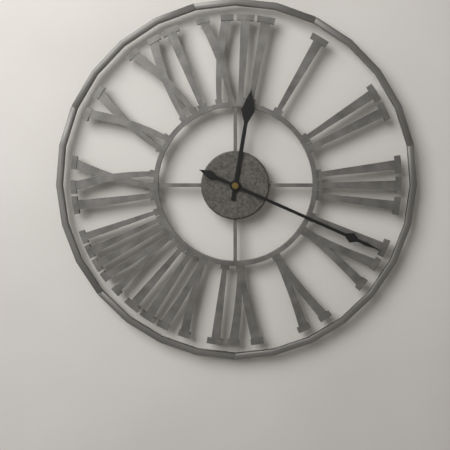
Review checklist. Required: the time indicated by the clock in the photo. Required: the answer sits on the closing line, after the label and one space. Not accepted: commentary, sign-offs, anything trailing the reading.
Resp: 12:19
